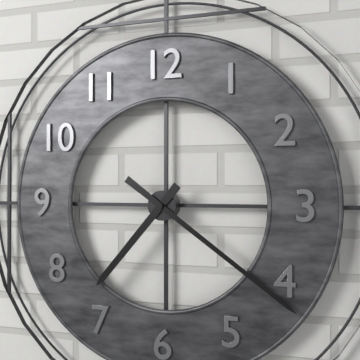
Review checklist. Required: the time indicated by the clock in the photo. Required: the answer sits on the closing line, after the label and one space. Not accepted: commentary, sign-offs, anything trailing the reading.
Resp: 7:21
